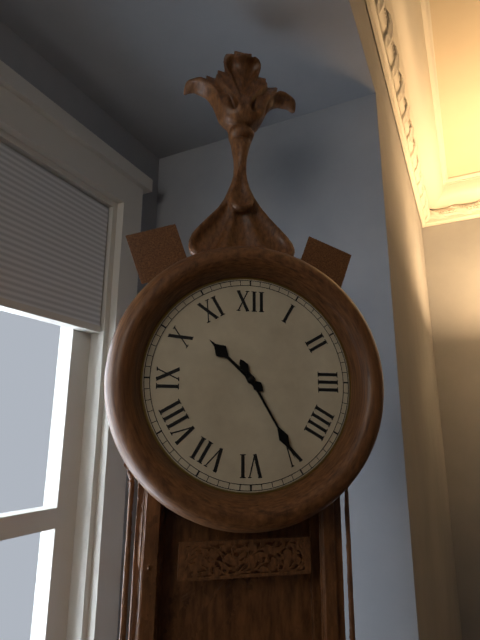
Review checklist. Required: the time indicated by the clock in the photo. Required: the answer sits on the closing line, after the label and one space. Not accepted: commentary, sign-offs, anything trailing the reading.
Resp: 10:25
